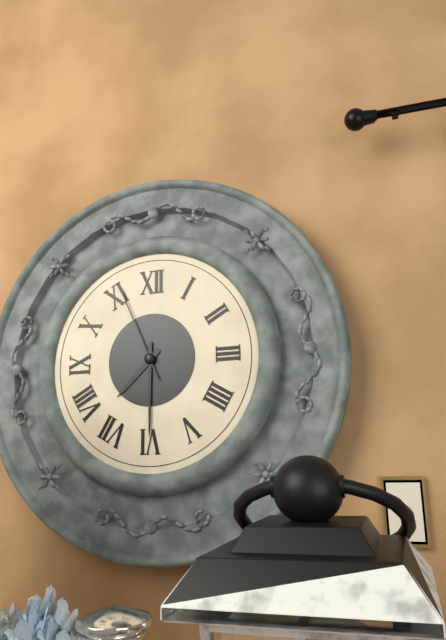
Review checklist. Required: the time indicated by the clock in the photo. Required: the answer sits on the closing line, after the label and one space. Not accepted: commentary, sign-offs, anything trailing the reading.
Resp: 7:30:56
